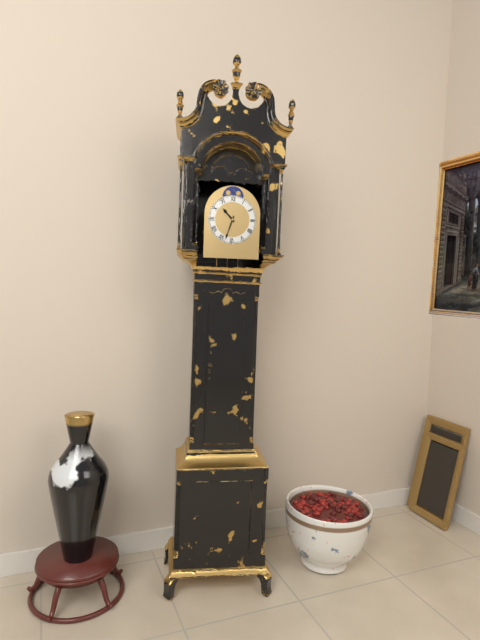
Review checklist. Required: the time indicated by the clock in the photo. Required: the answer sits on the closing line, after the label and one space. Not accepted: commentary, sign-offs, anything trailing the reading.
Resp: 10:33
